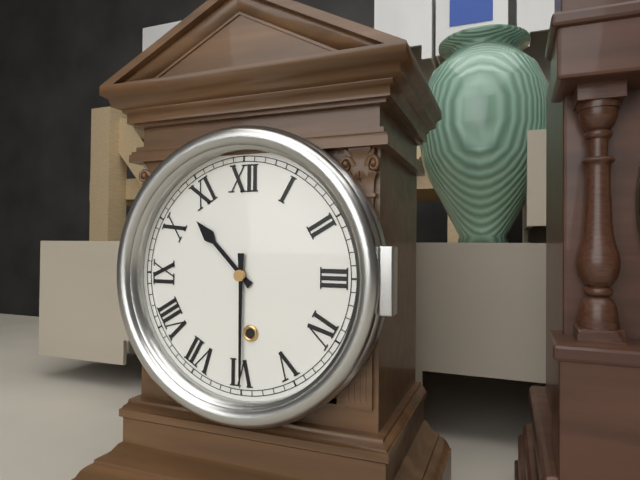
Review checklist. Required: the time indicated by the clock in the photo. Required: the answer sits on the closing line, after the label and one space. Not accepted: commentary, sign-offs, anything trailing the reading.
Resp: 10:30
